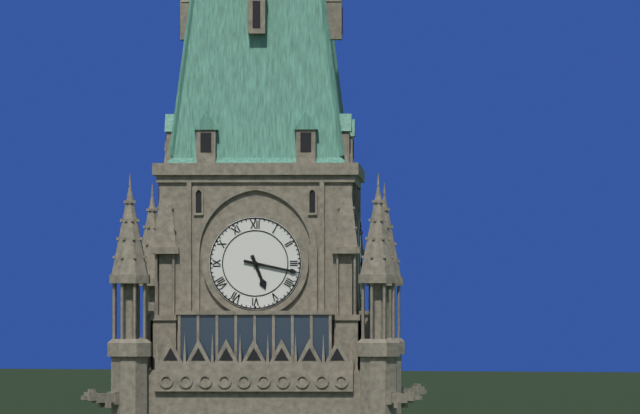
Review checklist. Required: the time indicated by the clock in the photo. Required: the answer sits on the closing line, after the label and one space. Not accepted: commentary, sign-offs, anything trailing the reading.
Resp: 5:17
